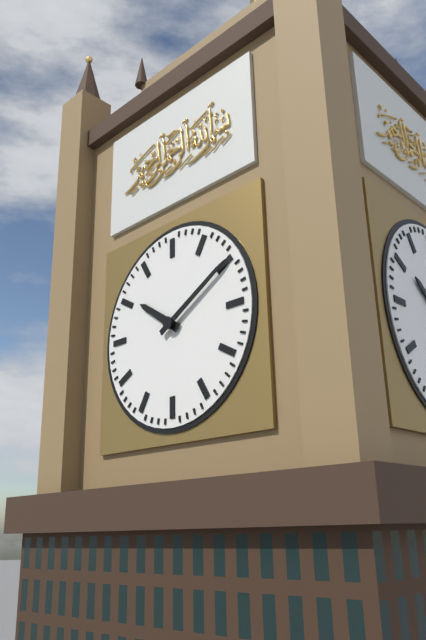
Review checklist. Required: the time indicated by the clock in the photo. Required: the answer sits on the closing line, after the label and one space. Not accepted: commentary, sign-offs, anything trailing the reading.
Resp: 10:10
